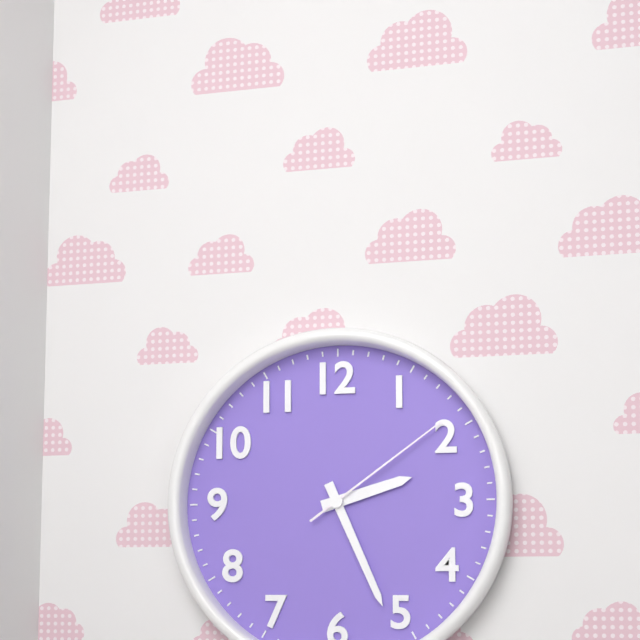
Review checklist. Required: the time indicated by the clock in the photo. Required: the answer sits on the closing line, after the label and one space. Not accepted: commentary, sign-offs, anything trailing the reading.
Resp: 2:26:09
